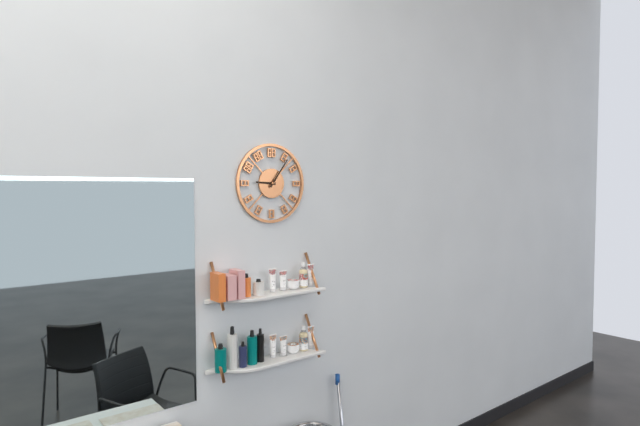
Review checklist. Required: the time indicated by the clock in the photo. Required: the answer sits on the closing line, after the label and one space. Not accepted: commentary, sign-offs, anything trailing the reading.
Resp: 9:06
